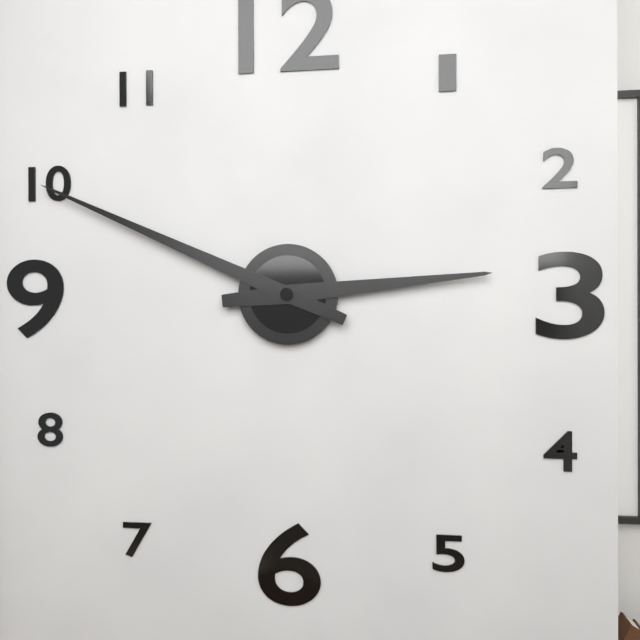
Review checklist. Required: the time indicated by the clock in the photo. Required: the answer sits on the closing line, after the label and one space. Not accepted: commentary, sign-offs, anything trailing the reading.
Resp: 2:49
